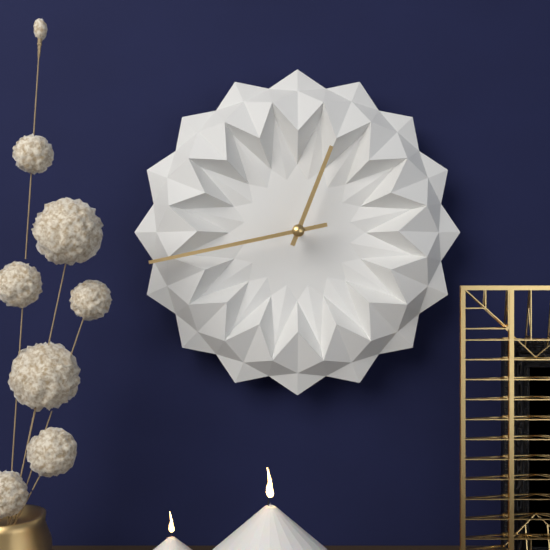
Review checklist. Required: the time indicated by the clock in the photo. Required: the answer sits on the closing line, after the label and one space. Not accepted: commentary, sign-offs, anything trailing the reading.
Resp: 12:43
